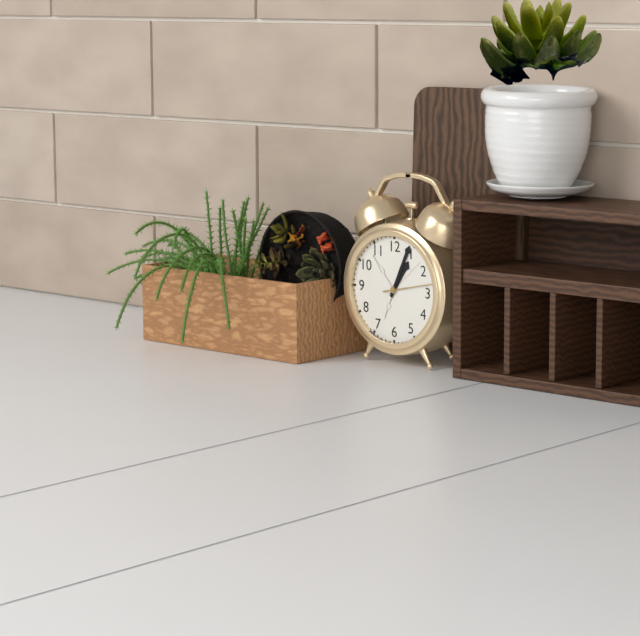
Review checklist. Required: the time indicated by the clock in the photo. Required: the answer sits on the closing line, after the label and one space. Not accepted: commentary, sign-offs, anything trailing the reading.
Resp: 1:04
